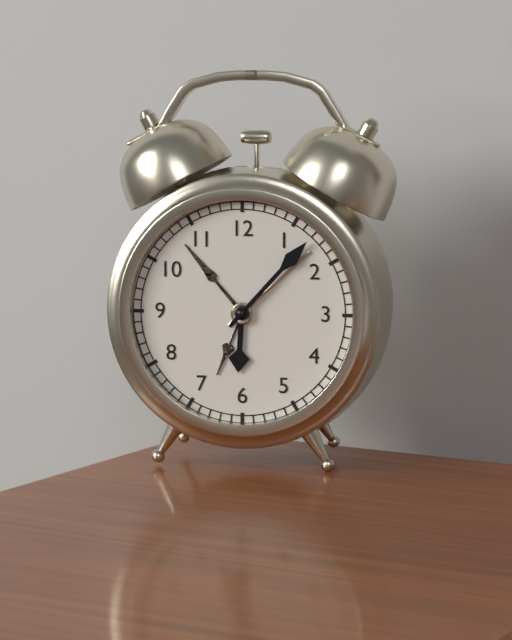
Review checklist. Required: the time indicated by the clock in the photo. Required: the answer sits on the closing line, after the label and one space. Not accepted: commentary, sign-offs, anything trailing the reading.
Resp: 6:07
